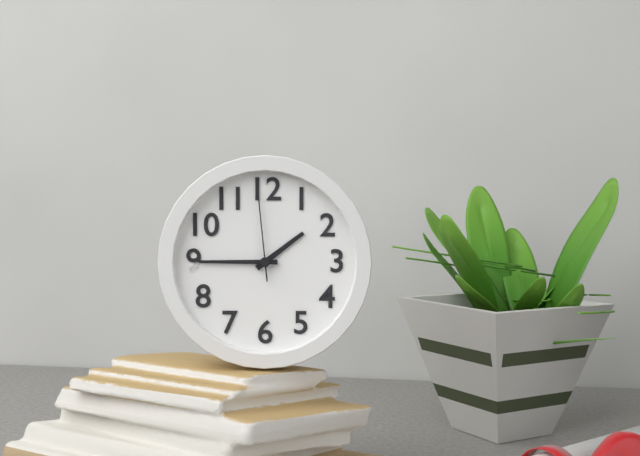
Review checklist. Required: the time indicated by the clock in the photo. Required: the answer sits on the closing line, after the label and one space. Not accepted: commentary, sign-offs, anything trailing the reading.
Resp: 1:45:59
